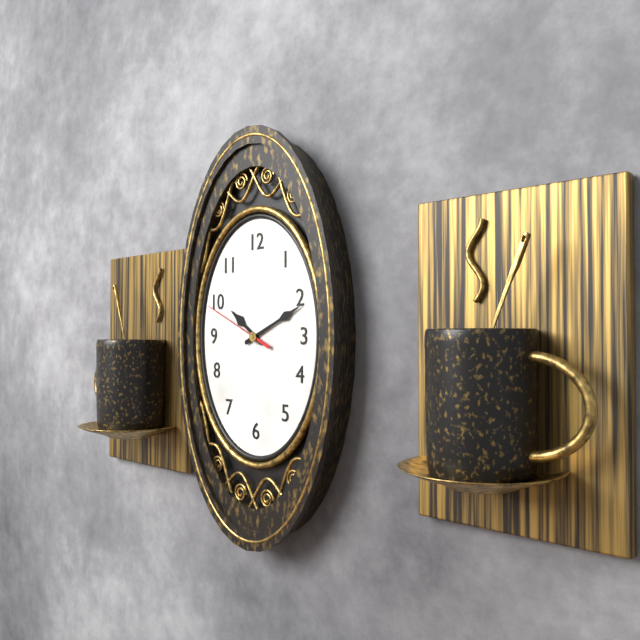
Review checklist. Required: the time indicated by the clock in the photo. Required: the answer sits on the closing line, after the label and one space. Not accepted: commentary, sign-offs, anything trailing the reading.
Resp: 10:11:49
